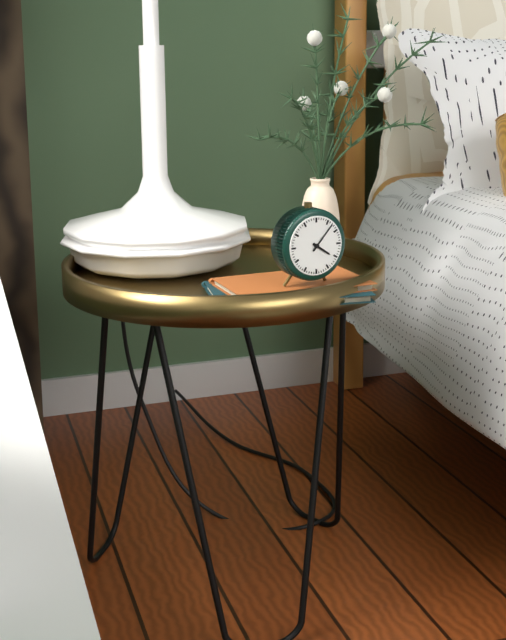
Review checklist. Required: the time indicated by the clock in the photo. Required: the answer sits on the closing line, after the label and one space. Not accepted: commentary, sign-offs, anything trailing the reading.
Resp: 4:07
